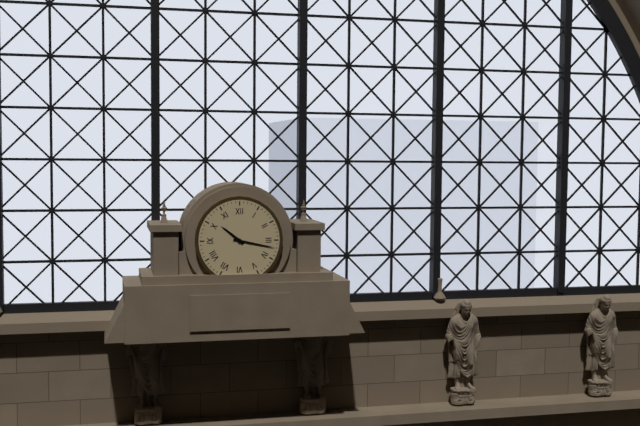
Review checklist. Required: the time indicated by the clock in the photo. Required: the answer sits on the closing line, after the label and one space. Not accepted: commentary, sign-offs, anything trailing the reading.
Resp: 10:17
